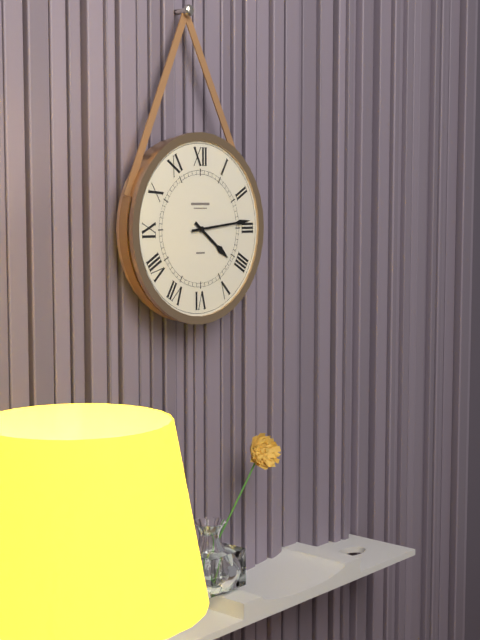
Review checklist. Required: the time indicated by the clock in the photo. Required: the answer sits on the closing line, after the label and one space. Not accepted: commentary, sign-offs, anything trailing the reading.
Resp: 4:14
